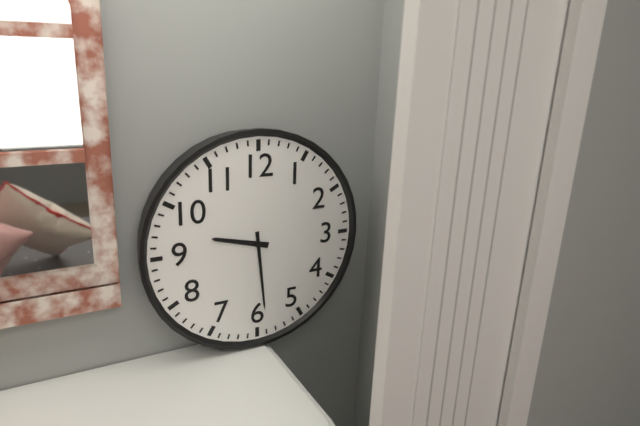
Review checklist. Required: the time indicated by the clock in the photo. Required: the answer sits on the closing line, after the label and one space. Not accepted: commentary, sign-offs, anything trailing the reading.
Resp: 9:29
